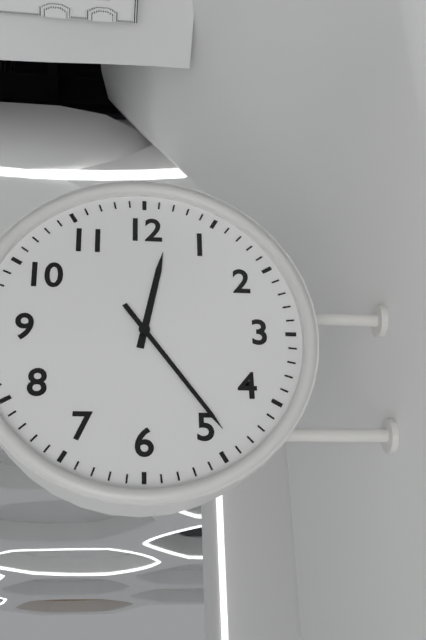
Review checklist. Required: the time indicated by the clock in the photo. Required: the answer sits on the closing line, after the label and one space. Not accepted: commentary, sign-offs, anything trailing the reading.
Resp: 12:24
